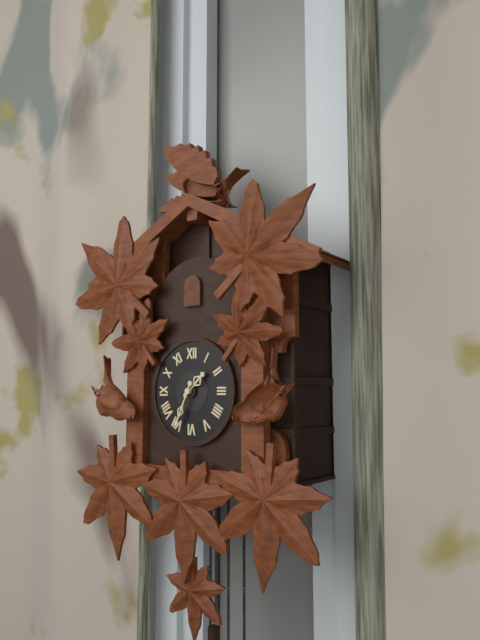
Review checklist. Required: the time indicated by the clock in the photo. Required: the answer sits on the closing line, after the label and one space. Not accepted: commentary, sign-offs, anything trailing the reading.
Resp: 1:34
